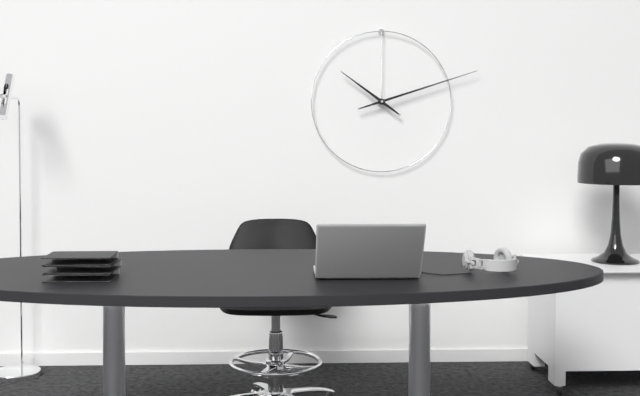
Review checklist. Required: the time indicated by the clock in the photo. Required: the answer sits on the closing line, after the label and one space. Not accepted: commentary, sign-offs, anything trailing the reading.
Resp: 10:12
